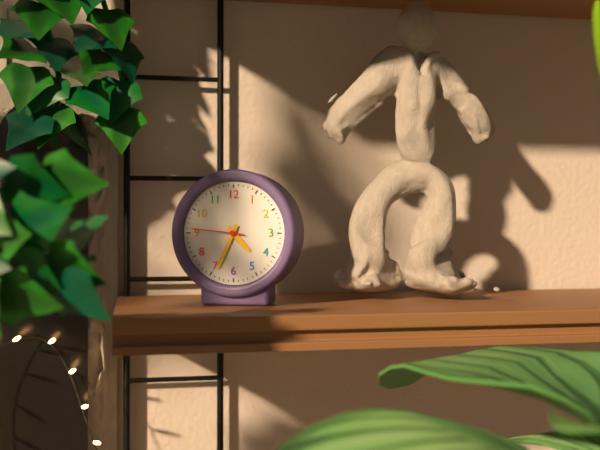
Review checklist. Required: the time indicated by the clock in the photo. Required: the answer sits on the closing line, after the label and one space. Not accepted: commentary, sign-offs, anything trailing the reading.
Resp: 4:34:46
